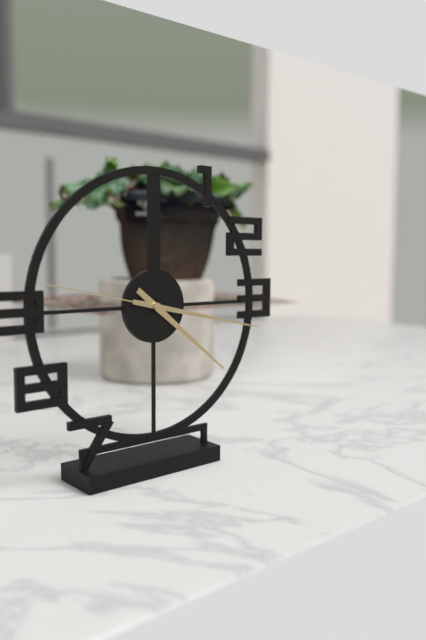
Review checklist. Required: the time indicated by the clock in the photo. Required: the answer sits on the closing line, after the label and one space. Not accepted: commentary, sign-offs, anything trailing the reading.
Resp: 4:17:47
